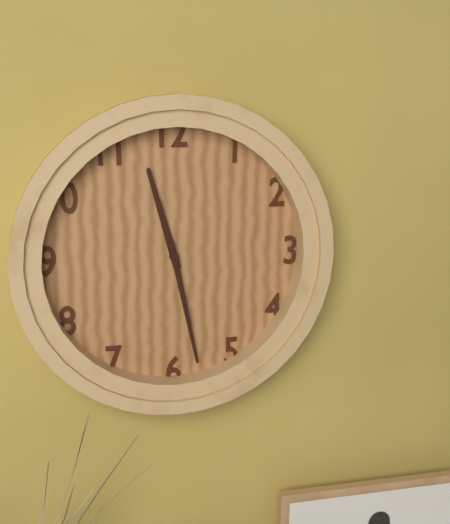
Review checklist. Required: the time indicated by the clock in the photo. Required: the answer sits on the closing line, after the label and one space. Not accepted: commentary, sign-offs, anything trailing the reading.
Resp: 11:28
